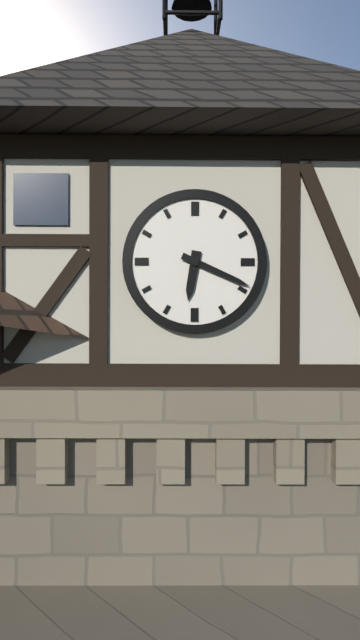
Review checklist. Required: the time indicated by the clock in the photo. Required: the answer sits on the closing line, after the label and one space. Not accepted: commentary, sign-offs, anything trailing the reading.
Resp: 6:19
